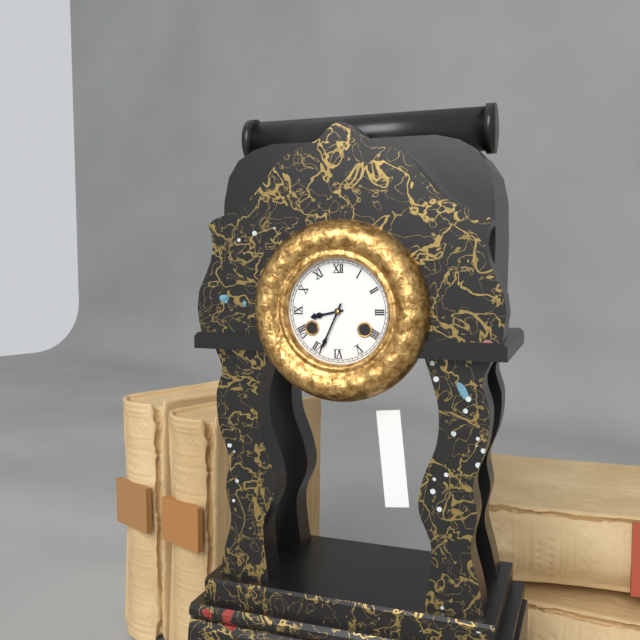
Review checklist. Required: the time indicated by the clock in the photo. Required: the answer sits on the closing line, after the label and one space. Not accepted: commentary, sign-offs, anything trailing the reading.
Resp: 8:34
